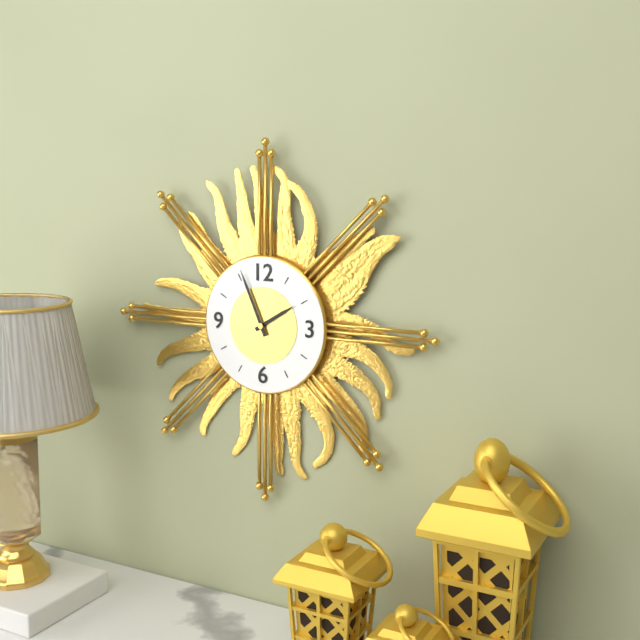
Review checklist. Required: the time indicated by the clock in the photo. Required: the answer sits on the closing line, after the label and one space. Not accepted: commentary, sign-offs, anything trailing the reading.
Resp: 1:56
